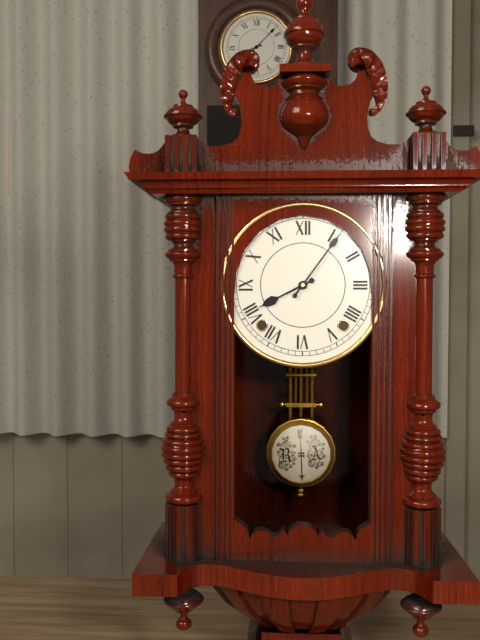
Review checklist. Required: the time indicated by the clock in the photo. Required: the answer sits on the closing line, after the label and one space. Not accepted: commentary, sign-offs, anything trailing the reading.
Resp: 8:06
